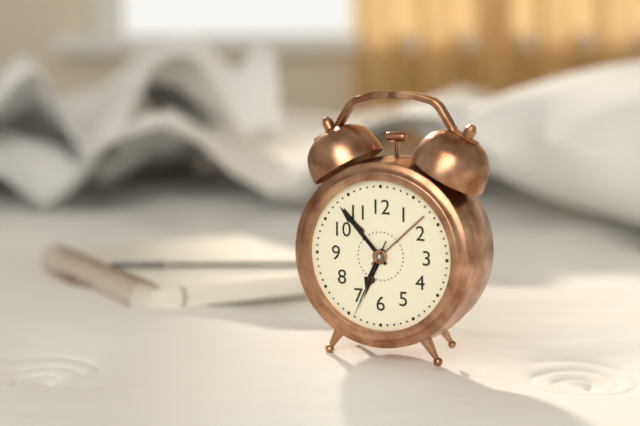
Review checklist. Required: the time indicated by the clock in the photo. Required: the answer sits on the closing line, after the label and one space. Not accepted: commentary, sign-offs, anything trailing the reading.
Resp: 6:53:34
